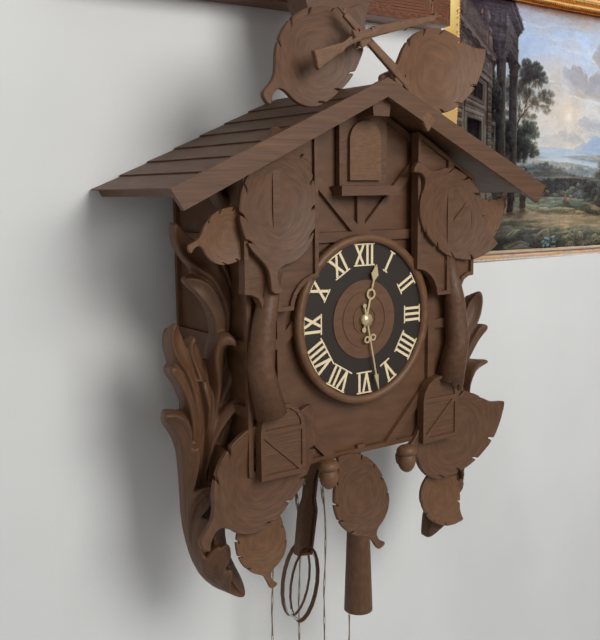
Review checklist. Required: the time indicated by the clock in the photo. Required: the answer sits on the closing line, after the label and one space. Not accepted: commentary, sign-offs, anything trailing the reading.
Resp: 12:28
